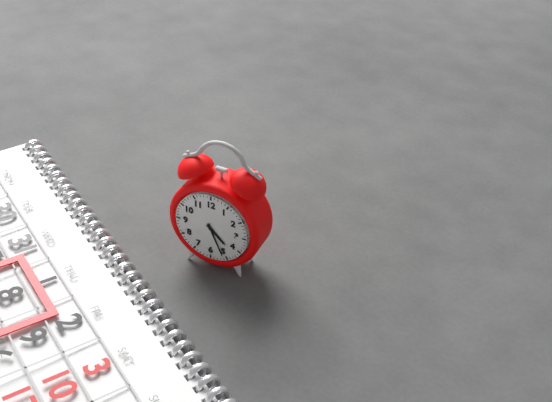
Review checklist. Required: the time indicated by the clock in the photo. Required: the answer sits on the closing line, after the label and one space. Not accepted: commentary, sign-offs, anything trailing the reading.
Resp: 4:26
